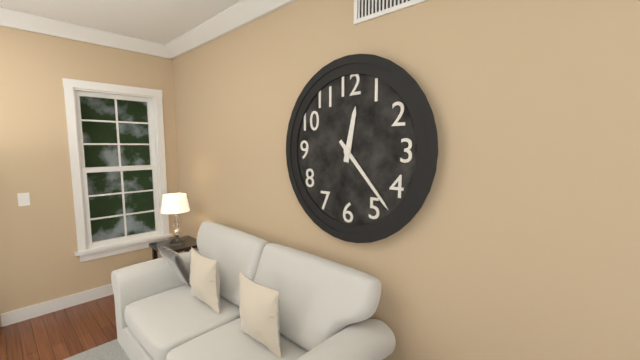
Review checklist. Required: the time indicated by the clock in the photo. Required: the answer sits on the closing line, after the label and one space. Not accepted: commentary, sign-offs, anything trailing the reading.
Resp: 12:23
